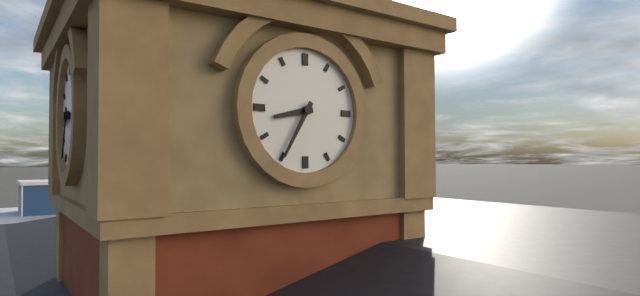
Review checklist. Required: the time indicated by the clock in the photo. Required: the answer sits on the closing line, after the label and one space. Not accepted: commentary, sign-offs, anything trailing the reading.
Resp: 8:35
